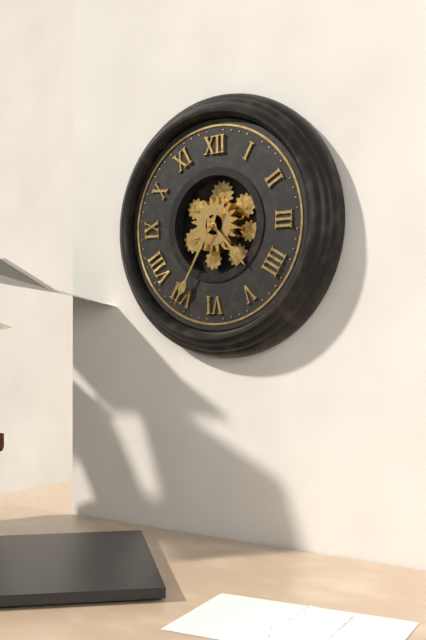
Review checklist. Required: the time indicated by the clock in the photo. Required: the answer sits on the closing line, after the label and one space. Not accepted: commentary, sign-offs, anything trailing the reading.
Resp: 4:35
